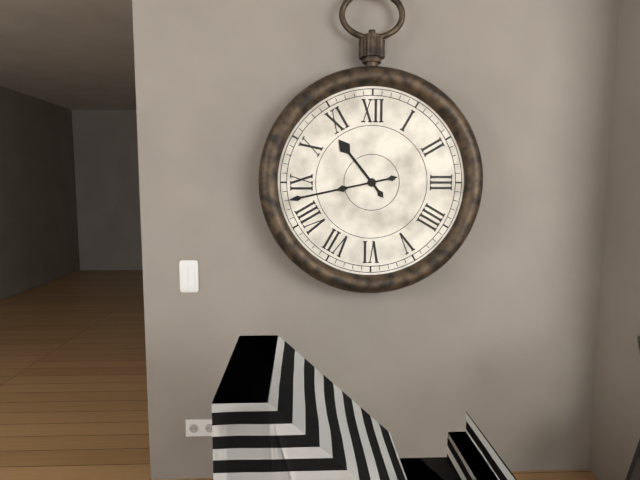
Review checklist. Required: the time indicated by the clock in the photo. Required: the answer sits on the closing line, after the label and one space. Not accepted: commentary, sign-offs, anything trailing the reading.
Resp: 10:43
